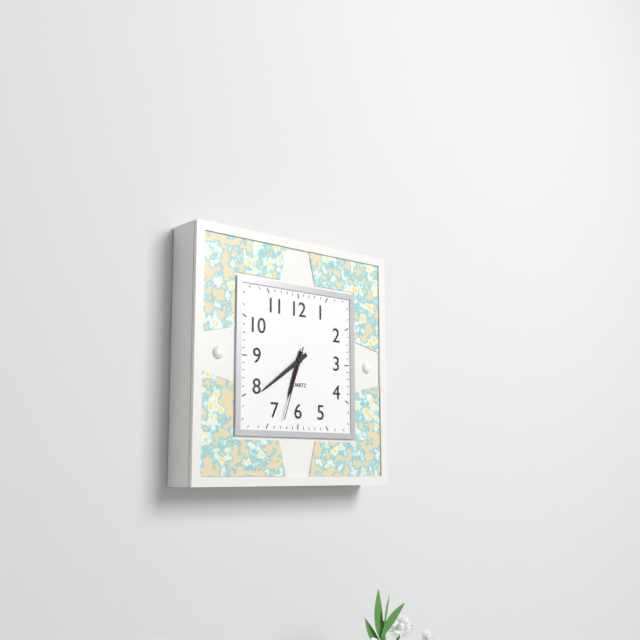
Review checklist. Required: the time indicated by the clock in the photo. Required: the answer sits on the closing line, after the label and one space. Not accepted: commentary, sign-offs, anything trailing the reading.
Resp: 6:39:33
